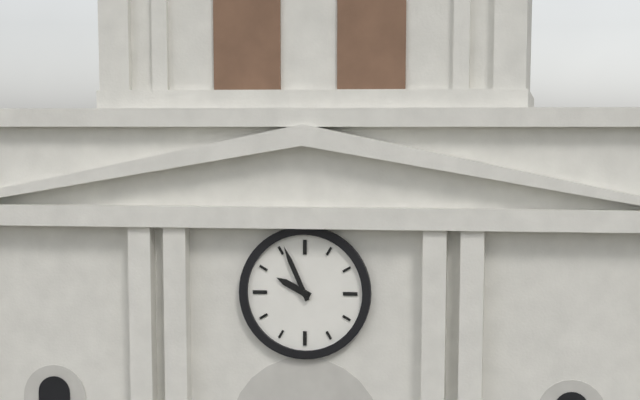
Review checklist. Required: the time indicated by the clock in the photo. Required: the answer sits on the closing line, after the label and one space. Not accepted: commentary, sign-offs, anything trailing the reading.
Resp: 9:56
